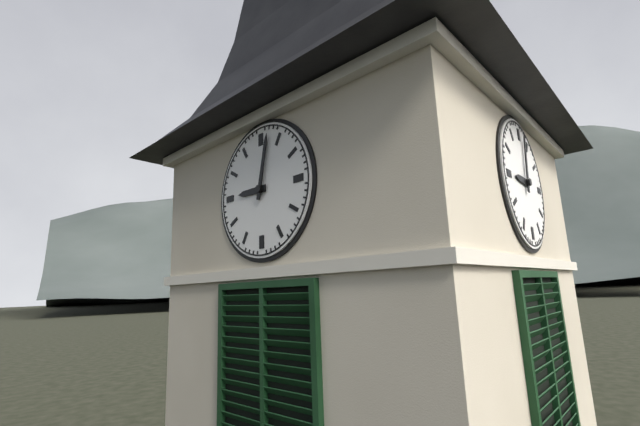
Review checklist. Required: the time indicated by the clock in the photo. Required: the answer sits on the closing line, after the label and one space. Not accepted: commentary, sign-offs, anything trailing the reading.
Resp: 9:02
